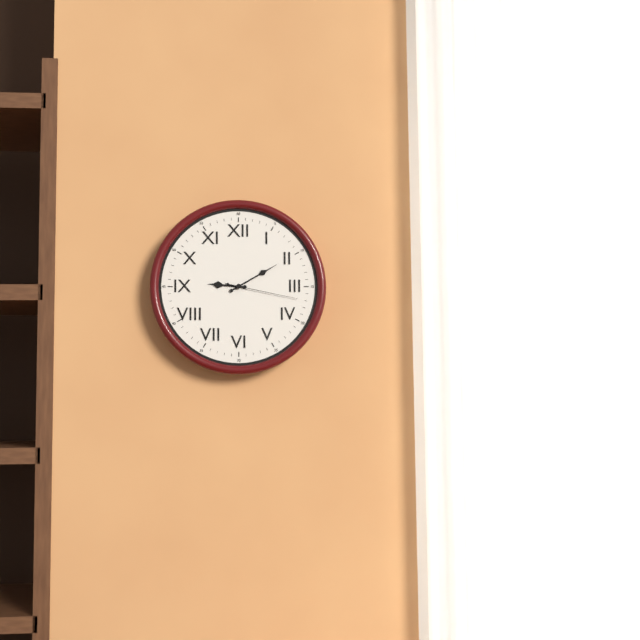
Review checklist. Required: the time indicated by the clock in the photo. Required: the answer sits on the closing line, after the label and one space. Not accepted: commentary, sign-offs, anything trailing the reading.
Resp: 9:10:17
